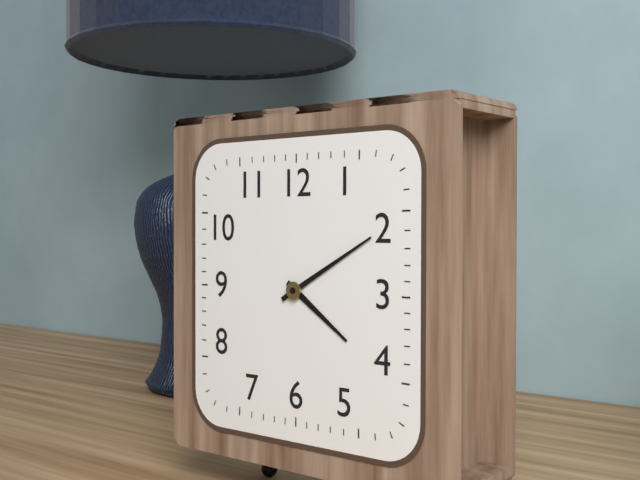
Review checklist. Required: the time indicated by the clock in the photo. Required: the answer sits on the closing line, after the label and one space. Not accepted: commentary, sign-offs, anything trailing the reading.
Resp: 4:10
